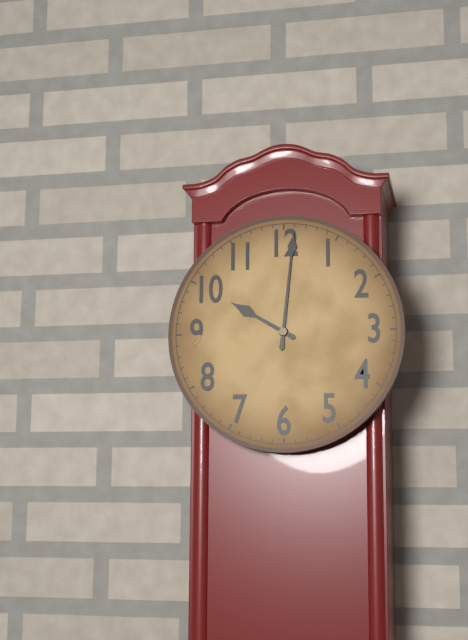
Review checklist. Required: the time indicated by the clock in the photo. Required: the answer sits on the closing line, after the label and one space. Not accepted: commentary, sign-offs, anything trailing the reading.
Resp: 10:01
